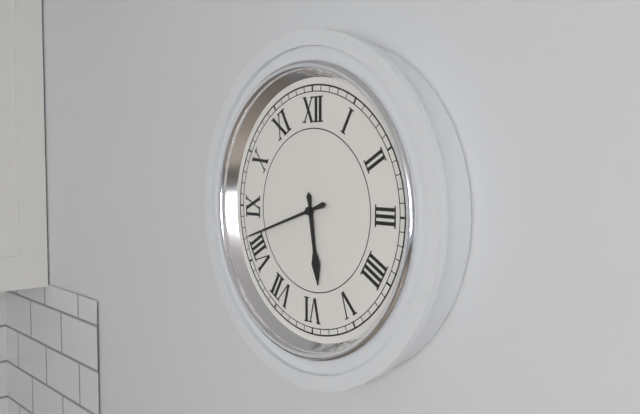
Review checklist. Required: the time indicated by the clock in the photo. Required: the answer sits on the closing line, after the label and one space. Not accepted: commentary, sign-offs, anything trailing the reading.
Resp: 5:42
